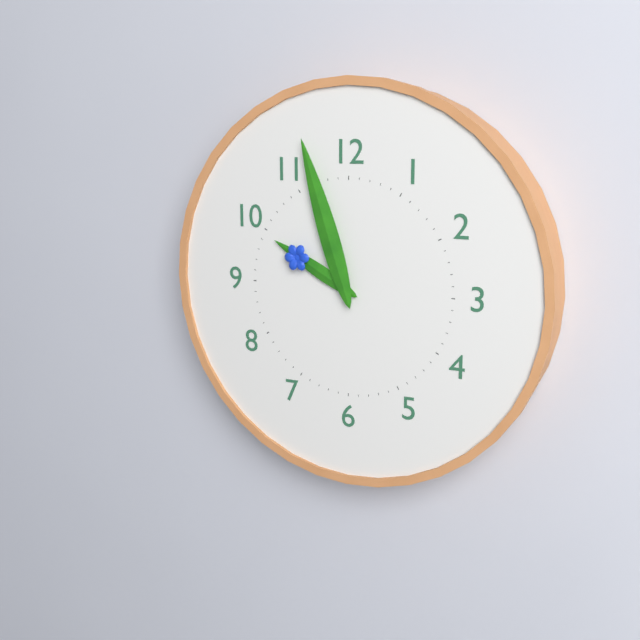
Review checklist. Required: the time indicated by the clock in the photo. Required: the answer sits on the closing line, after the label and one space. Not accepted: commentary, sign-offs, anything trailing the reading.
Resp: 9:57
